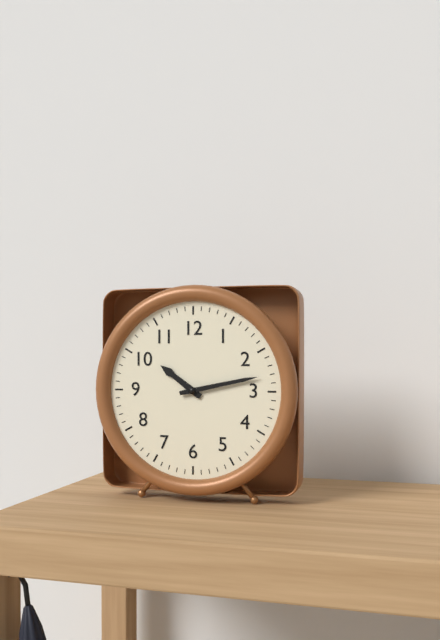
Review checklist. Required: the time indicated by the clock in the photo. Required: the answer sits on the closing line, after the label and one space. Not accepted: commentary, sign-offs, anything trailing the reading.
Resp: 10:13
